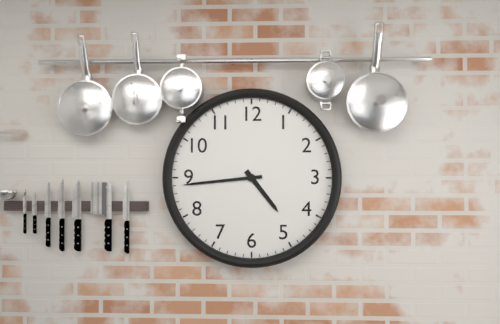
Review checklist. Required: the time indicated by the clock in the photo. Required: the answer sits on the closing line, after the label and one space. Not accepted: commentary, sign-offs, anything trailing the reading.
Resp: 4:44
